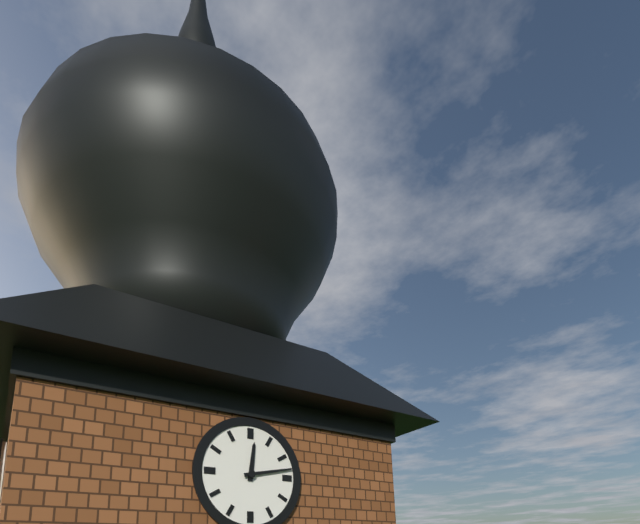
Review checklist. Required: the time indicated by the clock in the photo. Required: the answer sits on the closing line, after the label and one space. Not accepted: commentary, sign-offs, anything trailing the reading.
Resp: 12:13
